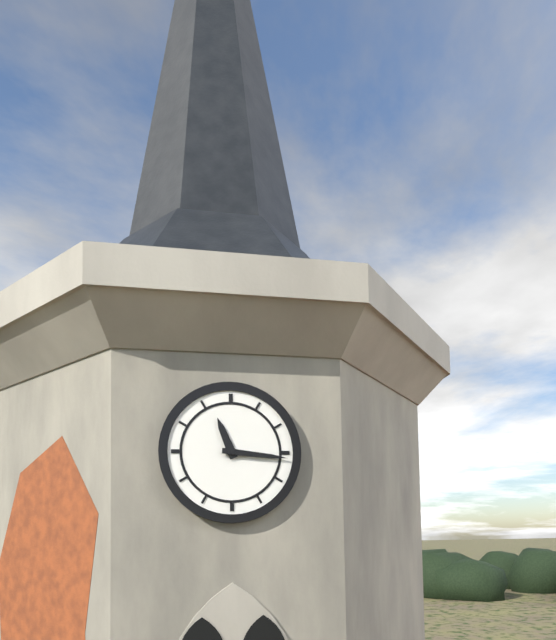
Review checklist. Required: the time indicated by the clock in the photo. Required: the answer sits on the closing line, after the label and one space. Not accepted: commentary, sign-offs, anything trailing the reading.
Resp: 11:16
